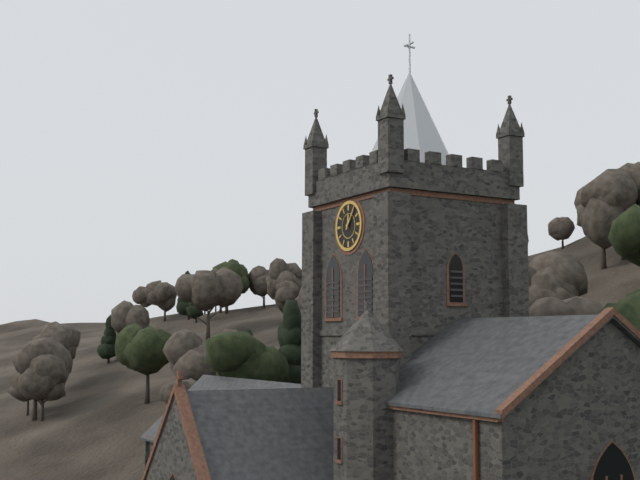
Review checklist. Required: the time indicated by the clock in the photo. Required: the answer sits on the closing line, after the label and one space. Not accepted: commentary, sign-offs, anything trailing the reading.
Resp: 12:06
